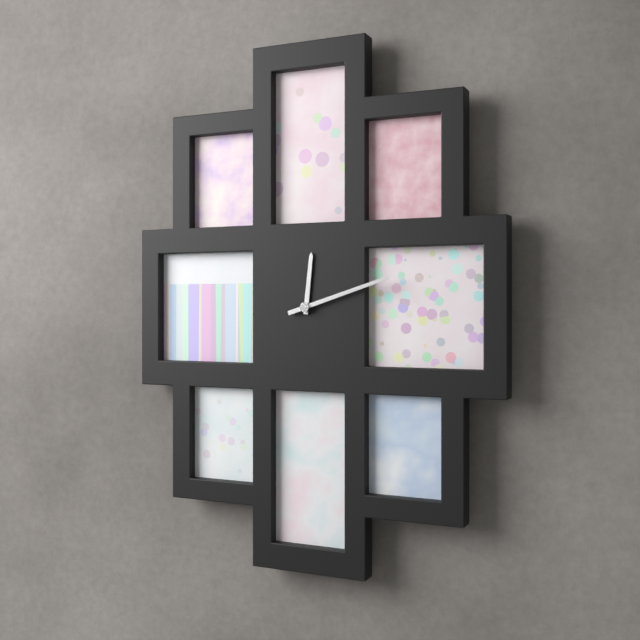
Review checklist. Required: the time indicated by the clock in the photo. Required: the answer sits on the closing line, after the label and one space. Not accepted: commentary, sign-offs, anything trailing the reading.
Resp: 12:12
